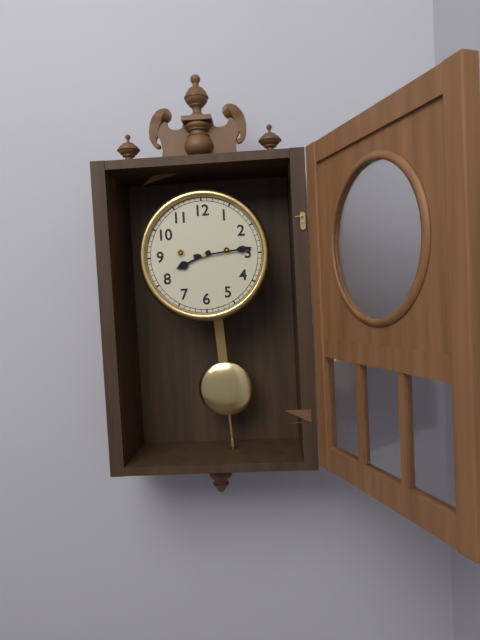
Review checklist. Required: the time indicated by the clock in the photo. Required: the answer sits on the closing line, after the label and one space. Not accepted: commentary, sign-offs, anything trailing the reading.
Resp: 8:14
